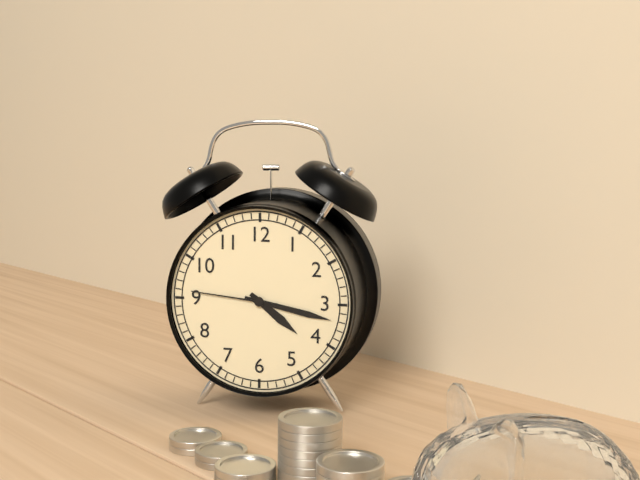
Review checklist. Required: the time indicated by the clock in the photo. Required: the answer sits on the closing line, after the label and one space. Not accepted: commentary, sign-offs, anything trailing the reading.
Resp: 4:17:46
